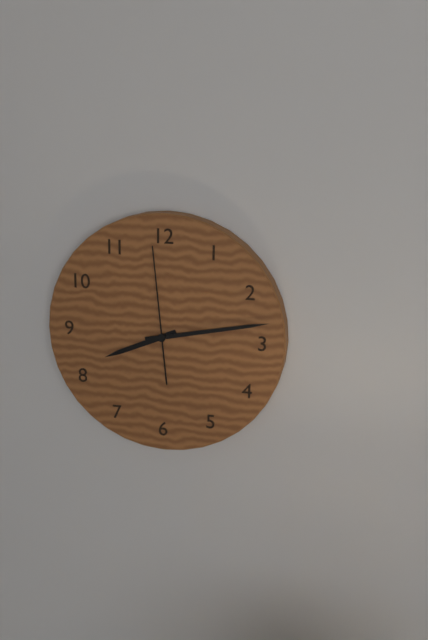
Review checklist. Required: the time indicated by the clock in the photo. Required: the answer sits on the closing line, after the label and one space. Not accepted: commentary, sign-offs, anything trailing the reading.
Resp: 8:13:59
